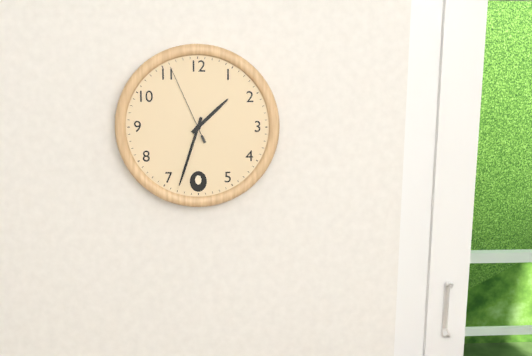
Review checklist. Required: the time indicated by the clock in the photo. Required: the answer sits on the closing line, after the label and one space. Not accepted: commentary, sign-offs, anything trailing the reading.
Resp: 1:33:56
